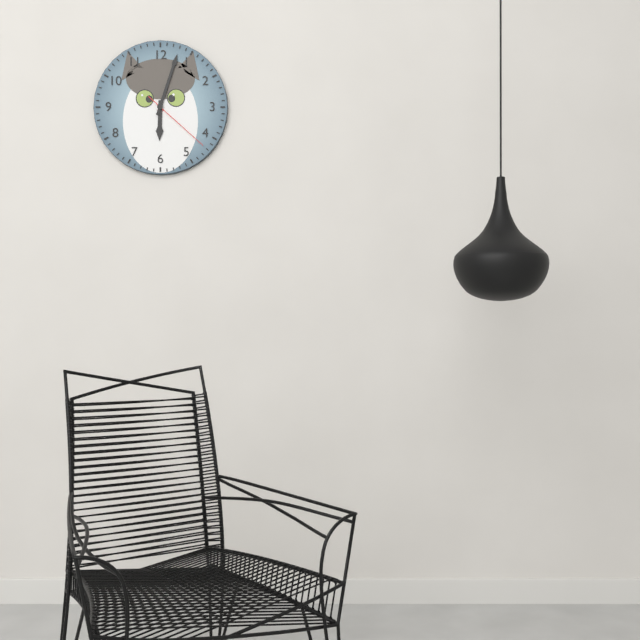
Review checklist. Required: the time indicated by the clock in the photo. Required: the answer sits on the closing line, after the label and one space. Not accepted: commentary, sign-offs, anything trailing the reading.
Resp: 6:03:22
